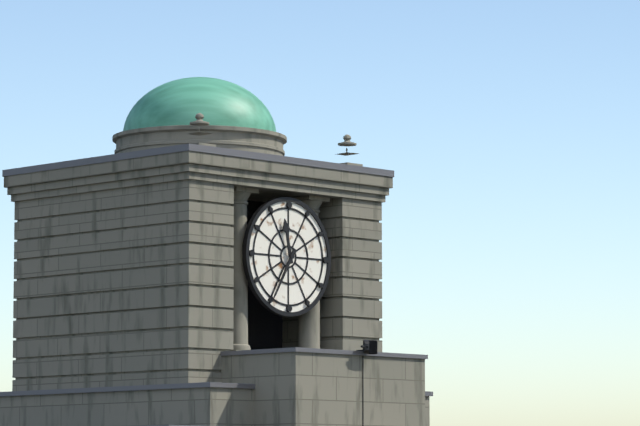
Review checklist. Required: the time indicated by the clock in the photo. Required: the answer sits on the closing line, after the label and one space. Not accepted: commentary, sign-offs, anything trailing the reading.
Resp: 11:35
